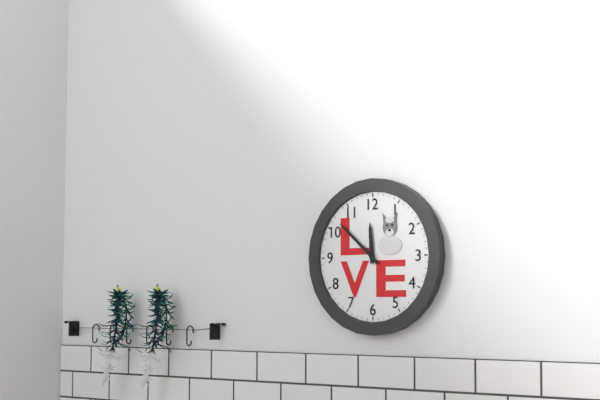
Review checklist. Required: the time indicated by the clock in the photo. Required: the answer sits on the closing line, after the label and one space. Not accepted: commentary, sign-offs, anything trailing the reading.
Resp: 11:52
